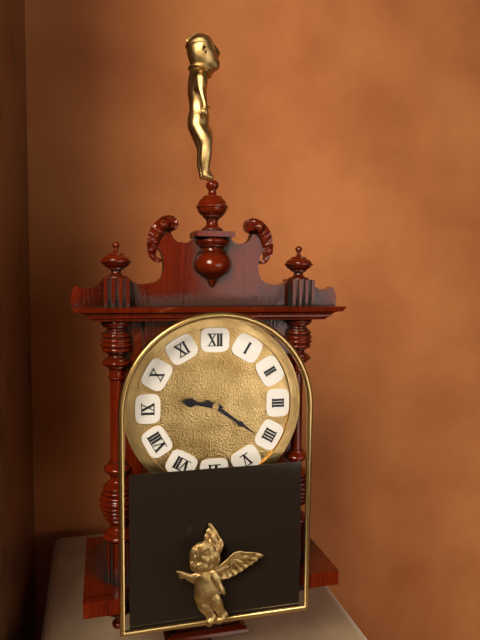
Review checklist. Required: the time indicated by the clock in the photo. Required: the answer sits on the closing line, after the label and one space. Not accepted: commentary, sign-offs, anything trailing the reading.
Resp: 9:21
